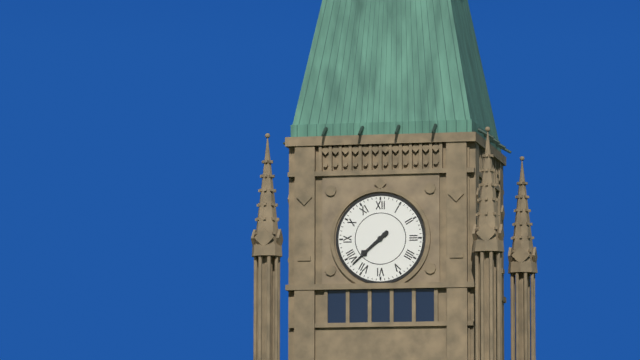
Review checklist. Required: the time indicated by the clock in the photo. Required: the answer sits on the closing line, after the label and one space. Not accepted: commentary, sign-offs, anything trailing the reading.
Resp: 7:38
